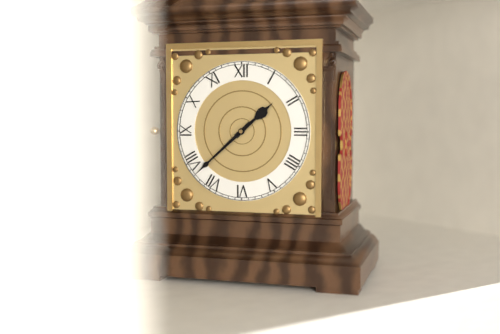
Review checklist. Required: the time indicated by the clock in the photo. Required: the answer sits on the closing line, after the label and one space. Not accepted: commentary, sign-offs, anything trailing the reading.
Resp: 1:38
